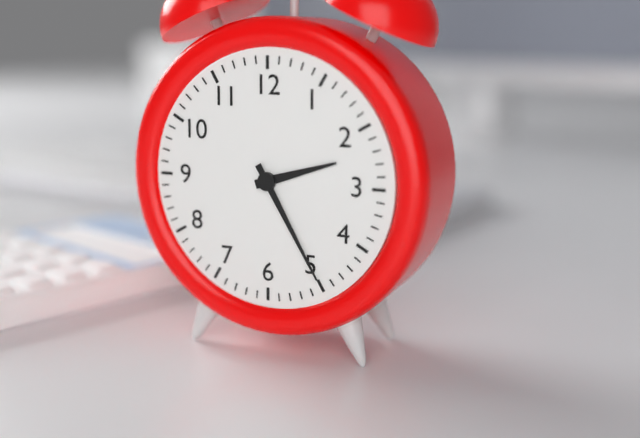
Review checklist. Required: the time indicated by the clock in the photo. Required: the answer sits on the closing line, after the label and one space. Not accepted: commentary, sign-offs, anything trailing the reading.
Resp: 2:25
